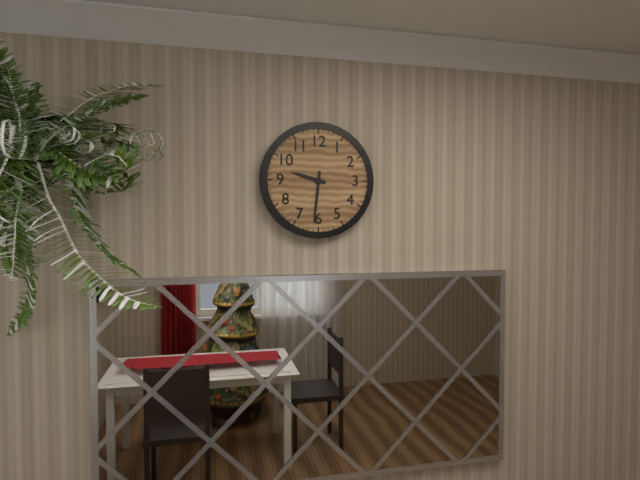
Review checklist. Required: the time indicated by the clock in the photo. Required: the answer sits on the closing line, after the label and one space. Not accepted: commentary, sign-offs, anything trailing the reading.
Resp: 9:31
